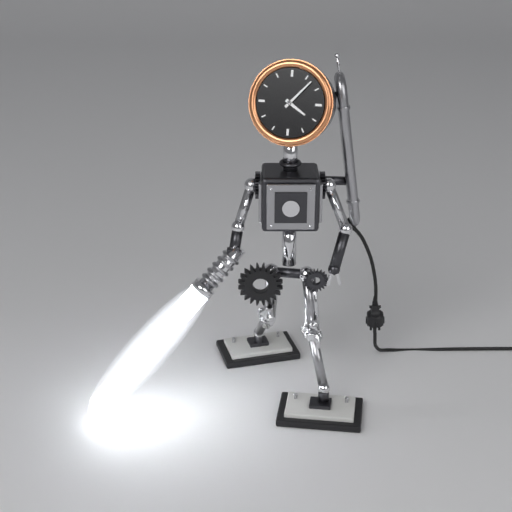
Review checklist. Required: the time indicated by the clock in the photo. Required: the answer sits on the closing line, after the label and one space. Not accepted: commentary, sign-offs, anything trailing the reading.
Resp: 4:07
